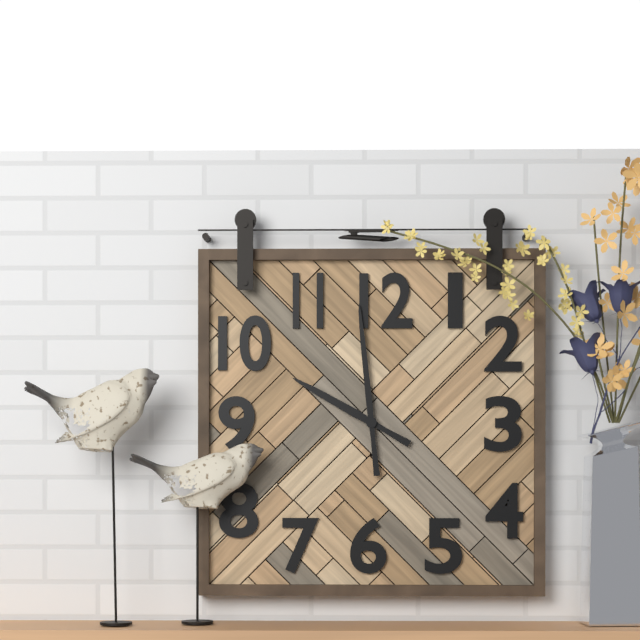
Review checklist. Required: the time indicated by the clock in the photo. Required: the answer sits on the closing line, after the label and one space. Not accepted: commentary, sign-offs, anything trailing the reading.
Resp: 9:59
